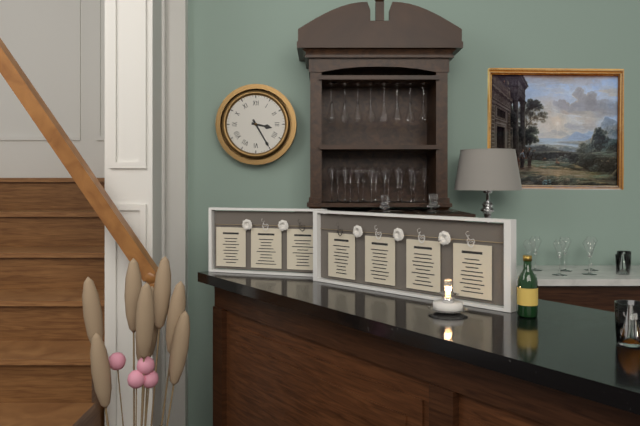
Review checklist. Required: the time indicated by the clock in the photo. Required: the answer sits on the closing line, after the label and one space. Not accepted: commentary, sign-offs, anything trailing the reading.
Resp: 3:25
